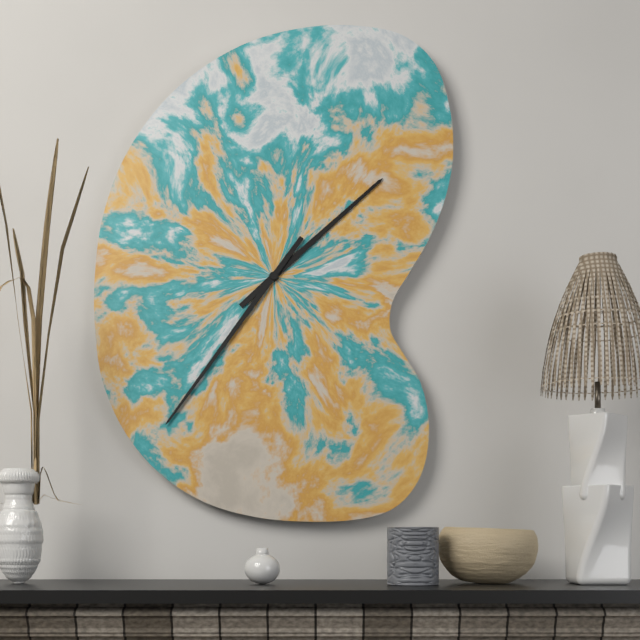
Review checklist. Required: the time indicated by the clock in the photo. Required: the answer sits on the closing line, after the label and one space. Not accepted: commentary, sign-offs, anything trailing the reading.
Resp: 1:36
